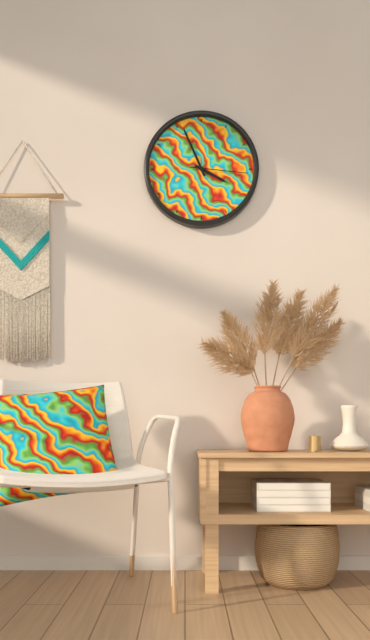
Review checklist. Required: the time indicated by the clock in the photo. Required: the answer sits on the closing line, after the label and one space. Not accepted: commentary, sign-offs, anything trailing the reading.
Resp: 3:56:16
